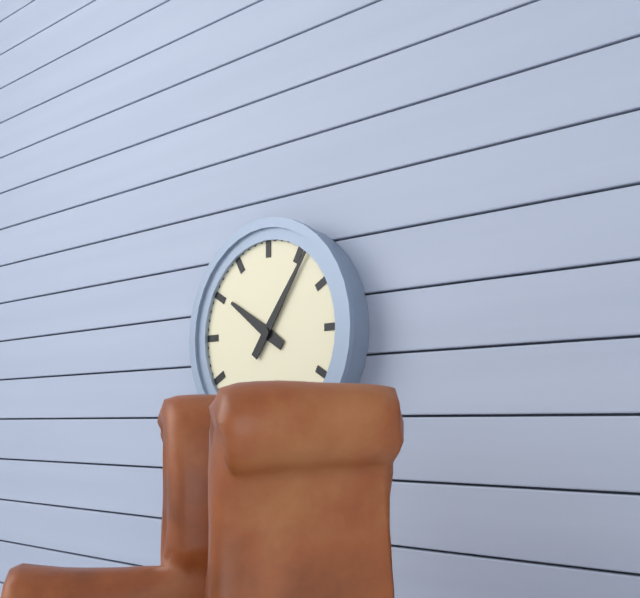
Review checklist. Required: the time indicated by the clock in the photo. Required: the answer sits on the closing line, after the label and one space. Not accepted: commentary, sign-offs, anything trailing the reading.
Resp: 10:06
